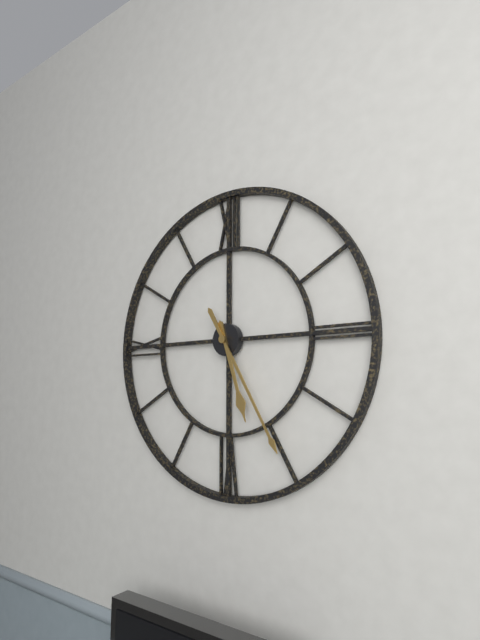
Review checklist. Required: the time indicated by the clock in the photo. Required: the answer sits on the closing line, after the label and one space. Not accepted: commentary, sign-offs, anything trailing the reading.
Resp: 5:25
